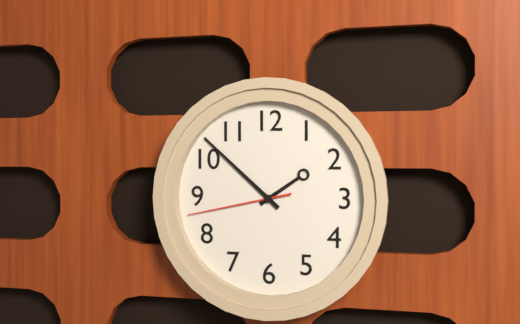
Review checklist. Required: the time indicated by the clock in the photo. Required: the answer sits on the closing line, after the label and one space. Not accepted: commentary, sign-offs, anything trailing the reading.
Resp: 1:52:43
